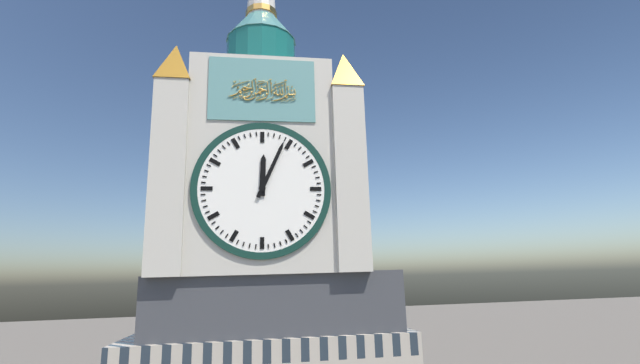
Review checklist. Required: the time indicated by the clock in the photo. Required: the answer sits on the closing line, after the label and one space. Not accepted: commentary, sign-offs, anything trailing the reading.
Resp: 12:04
